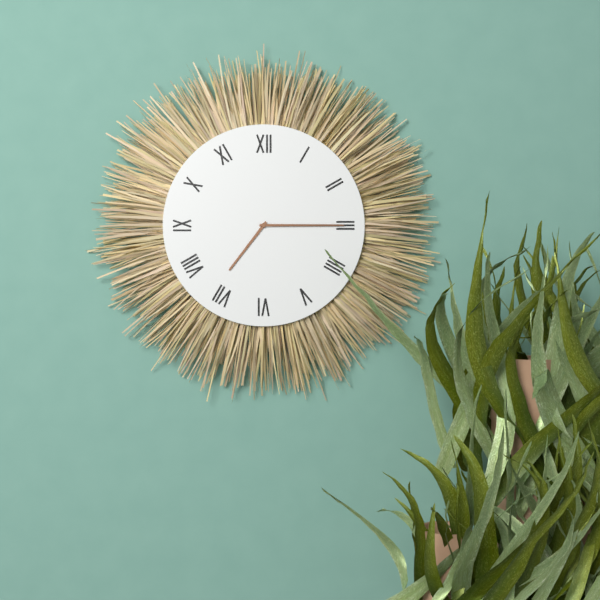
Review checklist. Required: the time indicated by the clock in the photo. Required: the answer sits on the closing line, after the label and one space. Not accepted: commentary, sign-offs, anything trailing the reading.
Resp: 7:15
